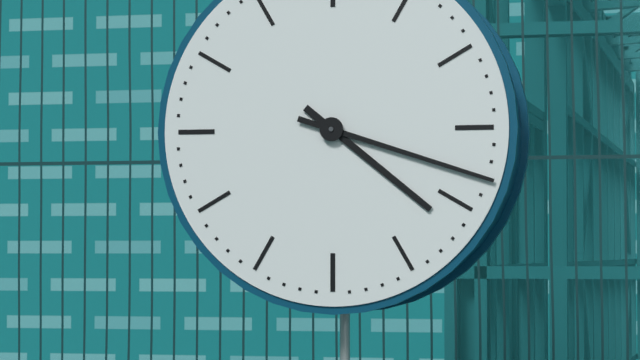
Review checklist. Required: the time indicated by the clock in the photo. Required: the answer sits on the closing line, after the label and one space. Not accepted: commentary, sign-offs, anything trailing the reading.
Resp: 4:18
